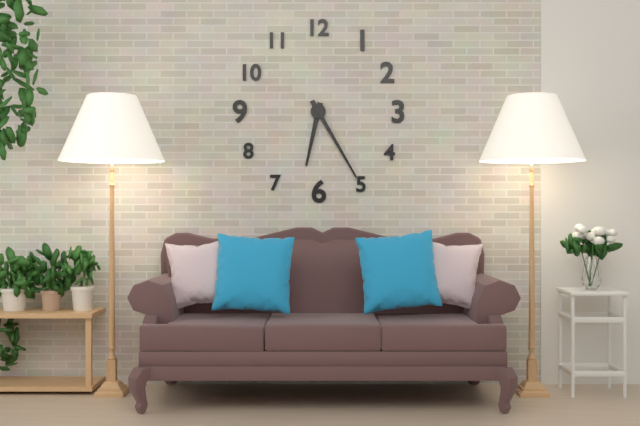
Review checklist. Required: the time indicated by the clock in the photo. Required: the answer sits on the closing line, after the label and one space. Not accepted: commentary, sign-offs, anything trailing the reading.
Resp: 6:25
